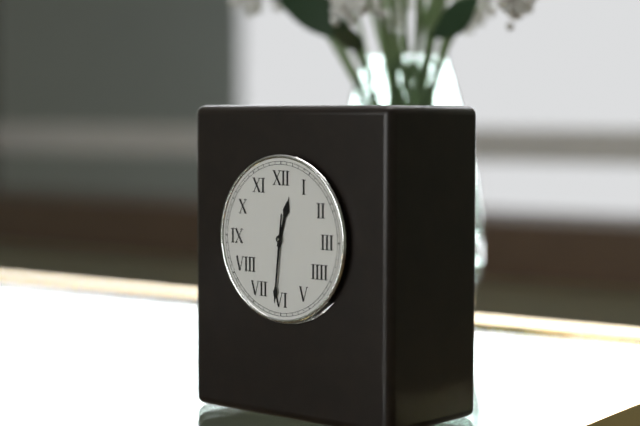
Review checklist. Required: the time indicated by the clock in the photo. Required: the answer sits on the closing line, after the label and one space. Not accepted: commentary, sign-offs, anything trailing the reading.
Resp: 12:31
